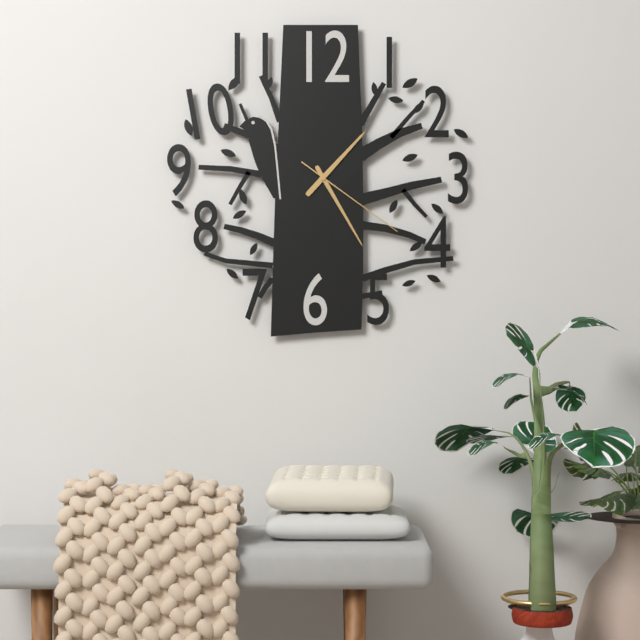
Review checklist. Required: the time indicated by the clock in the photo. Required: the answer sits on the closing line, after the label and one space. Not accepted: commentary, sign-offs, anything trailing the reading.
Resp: 1:25:21
